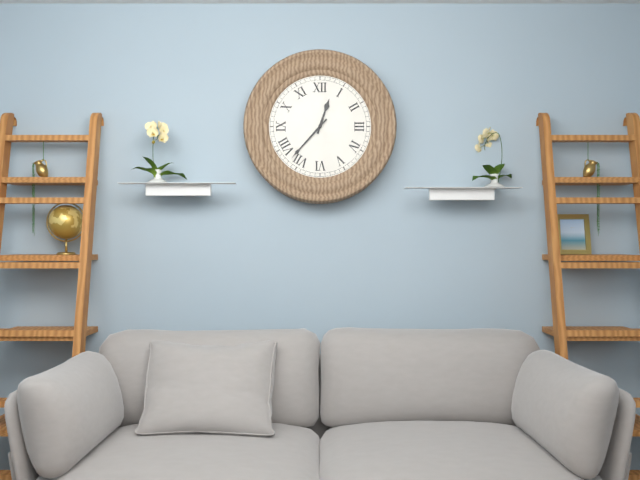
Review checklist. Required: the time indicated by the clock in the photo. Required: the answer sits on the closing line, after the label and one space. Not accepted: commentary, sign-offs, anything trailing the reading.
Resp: 12:37
